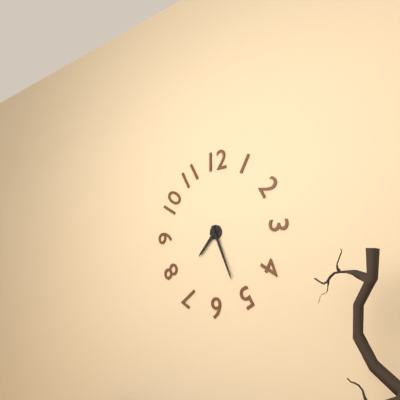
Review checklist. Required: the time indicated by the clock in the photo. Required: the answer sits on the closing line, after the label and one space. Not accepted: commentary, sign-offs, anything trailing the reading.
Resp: 7:26
